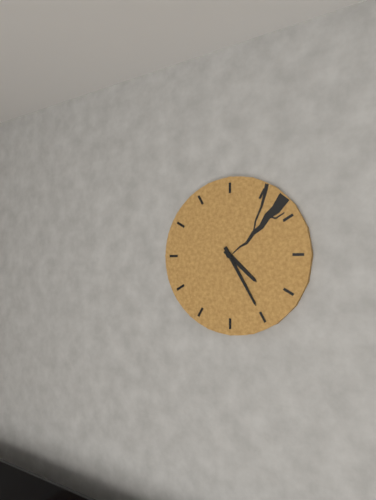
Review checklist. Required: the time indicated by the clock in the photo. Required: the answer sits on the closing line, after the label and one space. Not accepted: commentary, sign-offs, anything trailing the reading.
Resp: 4:25
